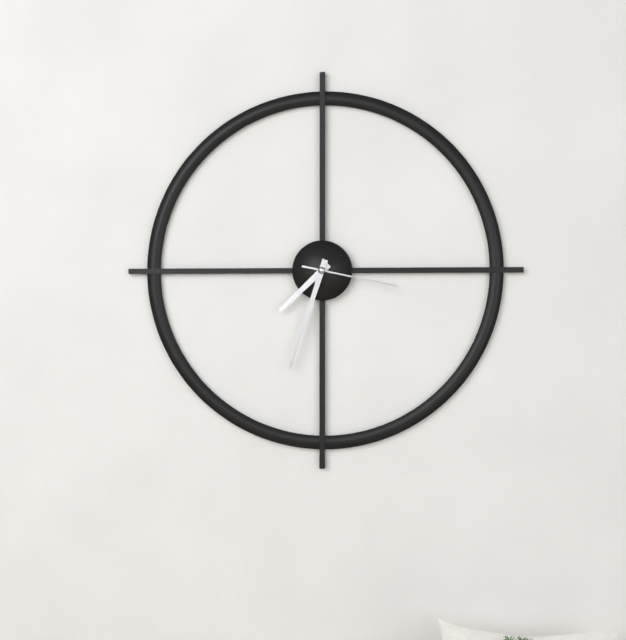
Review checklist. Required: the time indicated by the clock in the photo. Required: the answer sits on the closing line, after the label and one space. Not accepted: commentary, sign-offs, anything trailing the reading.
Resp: 7:33:17
